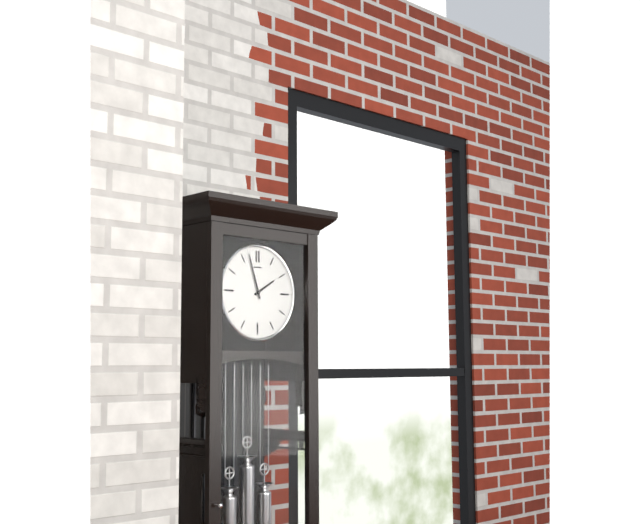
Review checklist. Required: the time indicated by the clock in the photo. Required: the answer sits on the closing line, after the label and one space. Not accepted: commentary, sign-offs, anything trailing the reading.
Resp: 1:57
